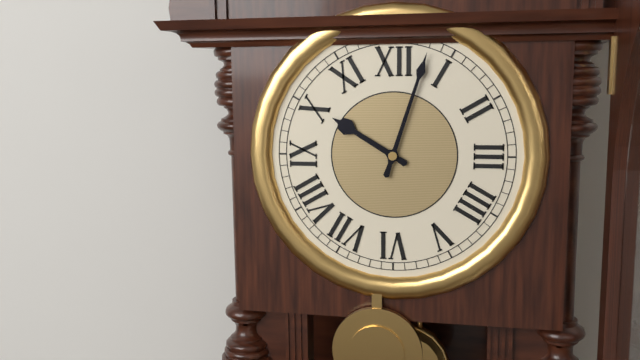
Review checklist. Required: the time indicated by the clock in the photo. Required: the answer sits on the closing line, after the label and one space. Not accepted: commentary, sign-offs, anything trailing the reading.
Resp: 10:03
